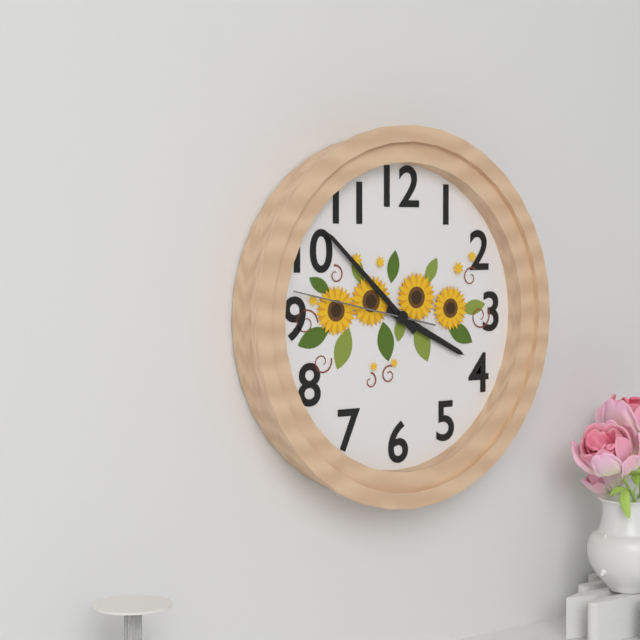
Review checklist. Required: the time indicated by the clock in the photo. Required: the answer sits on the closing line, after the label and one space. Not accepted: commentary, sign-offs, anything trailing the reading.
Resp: 3:52:47
